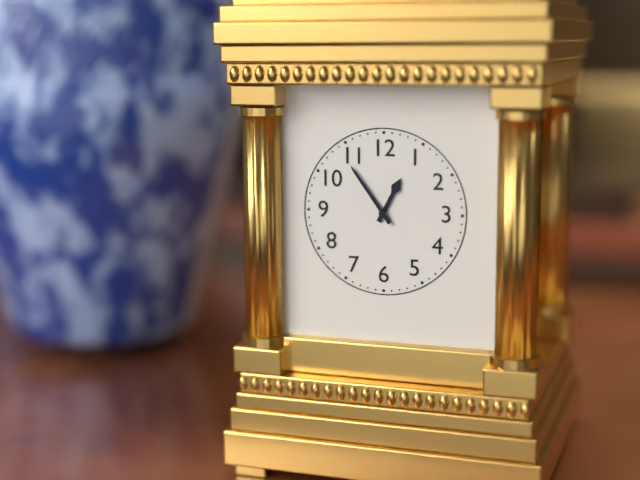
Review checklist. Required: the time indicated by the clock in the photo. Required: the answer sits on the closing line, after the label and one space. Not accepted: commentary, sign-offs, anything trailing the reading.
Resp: 12:54
